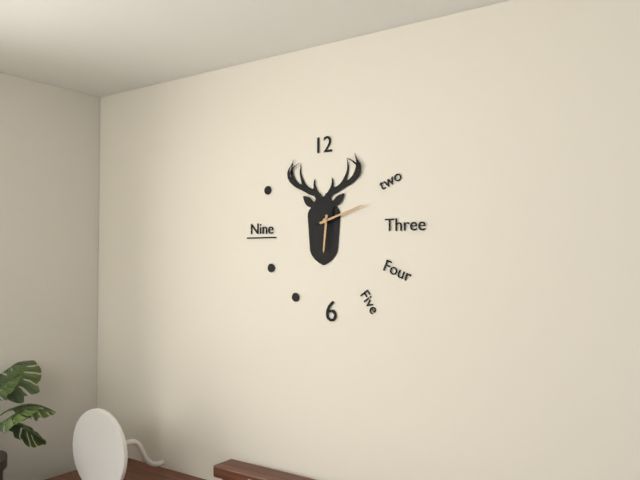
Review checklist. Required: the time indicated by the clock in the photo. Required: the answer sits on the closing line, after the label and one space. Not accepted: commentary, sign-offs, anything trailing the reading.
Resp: 6:12
